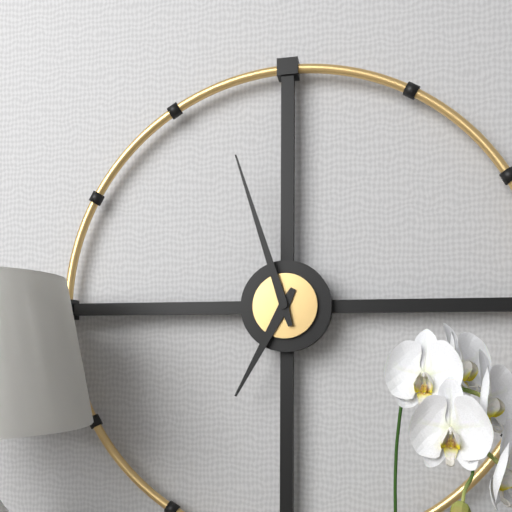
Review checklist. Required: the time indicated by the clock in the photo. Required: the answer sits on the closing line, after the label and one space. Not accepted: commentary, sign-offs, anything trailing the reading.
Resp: 6:57
